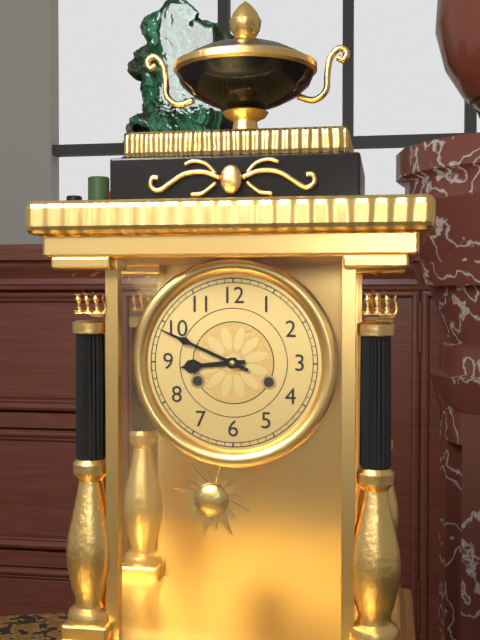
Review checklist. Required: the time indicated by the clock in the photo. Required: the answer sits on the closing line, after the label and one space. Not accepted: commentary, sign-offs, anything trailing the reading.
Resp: 8:49
